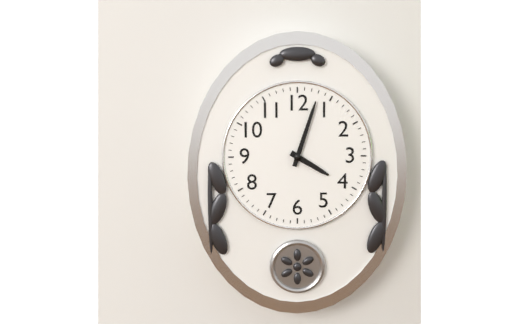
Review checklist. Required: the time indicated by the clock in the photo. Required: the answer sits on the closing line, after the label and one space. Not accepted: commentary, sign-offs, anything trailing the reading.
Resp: 4:03
